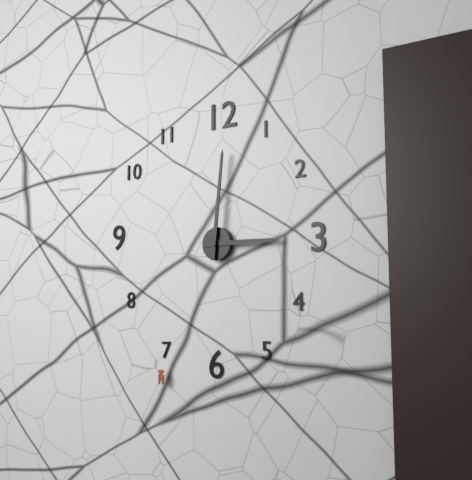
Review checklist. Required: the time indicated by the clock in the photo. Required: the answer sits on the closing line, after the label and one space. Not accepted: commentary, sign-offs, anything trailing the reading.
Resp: 3:01
